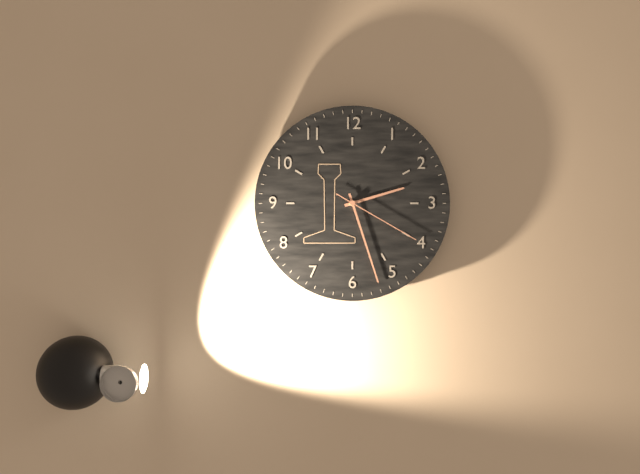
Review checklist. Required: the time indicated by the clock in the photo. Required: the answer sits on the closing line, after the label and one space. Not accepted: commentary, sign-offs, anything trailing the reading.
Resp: 2:27:20
